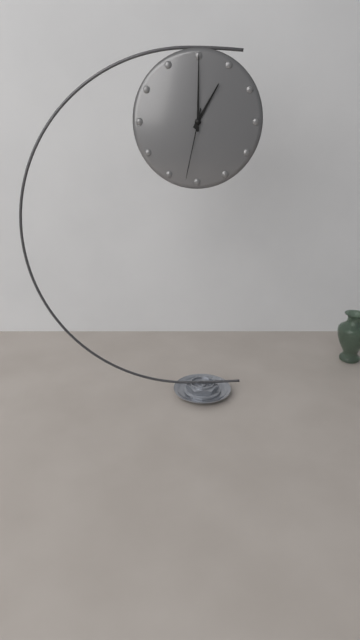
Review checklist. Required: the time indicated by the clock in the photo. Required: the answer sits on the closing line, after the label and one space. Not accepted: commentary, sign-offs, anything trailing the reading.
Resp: 1:00:32
